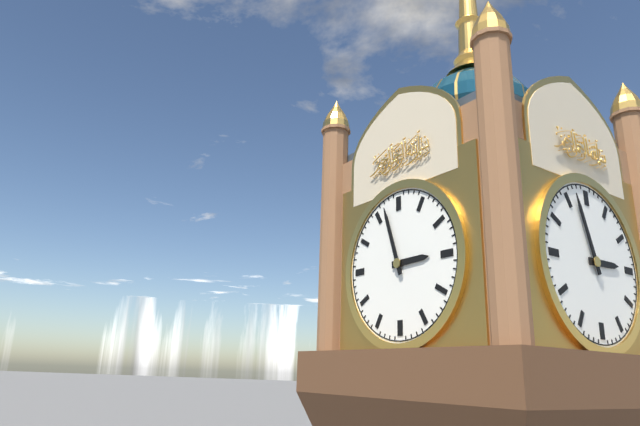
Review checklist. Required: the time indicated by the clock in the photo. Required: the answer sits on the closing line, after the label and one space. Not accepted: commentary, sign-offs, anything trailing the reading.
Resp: 2:57
